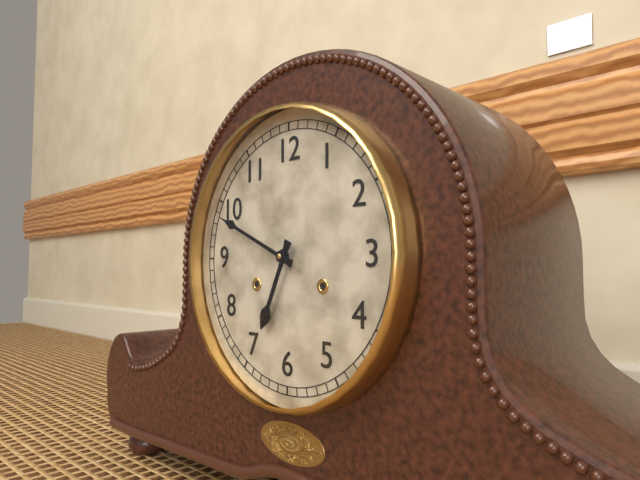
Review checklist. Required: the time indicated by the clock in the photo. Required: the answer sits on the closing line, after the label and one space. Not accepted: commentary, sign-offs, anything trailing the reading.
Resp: 6:49
